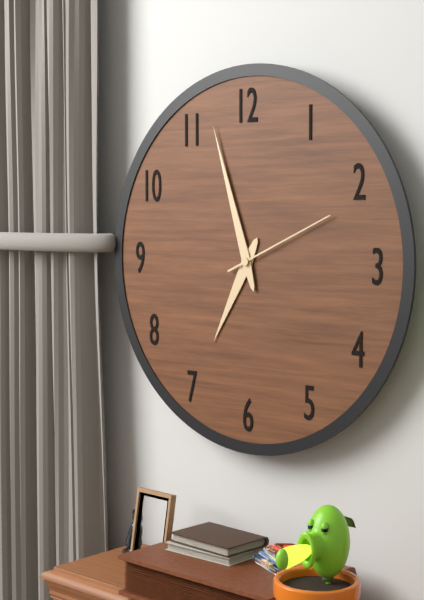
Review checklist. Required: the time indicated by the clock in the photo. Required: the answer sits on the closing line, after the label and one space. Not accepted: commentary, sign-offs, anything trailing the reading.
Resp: 6:57:11
